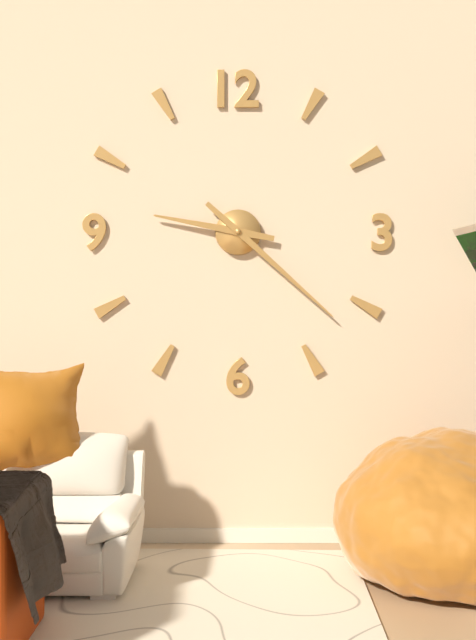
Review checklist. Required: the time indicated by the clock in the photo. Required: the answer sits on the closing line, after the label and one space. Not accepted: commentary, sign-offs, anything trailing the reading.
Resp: 9:22
